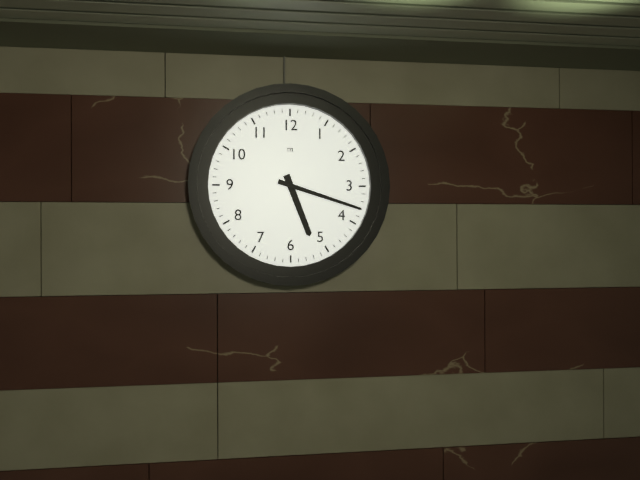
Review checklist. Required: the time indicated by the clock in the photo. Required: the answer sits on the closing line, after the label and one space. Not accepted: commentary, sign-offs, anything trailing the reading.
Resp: 5:18
